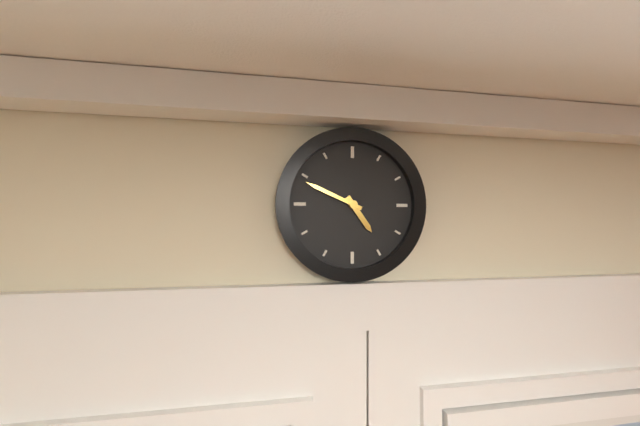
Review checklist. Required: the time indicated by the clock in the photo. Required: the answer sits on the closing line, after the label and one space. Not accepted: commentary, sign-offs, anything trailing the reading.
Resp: 4:49
